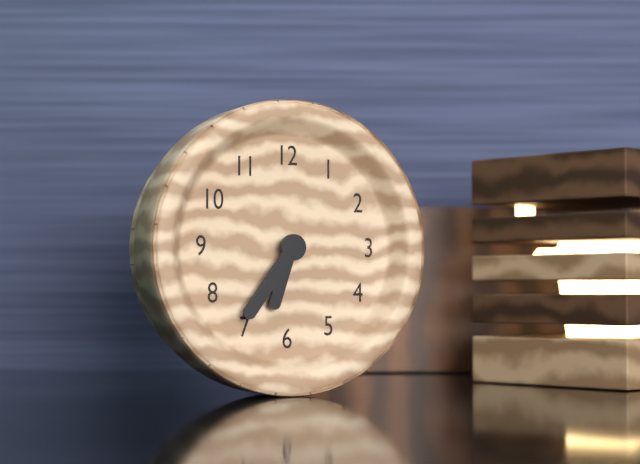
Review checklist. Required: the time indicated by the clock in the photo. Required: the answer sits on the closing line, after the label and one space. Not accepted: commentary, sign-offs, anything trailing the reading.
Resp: 6:36
